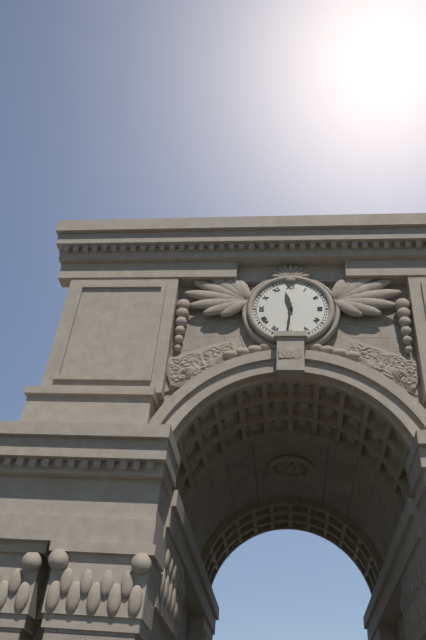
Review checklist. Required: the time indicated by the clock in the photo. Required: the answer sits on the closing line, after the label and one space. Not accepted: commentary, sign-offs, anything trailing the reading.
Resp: 11:31
